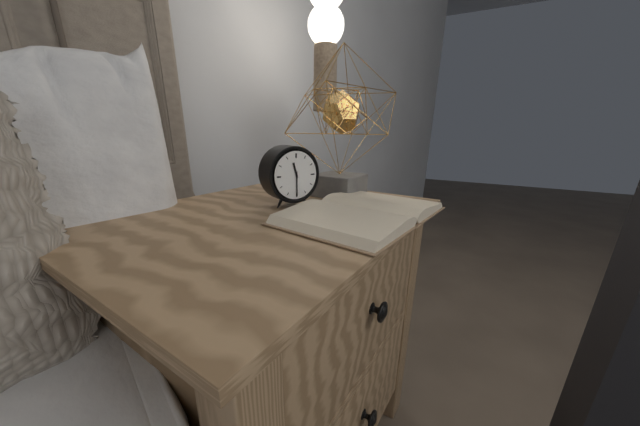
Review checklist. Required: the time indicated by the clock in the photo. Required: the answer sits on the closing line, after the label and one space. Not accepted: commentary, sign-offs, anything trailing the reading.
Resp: 11:30
